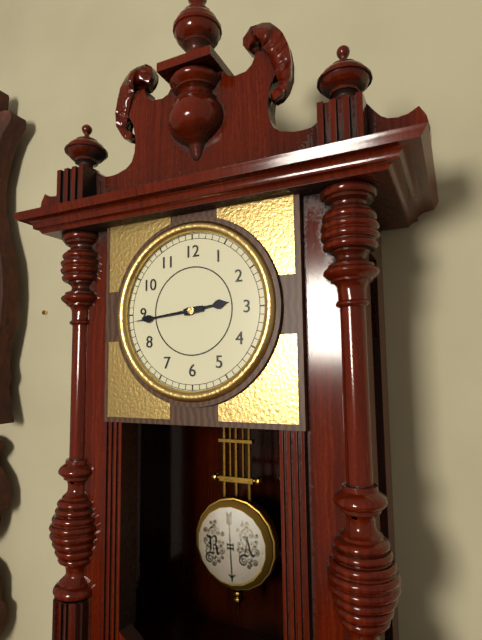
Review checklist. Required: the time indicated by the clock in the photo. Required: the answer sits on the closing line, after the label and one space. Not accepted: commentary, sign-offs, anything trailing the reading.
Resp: 2:44
